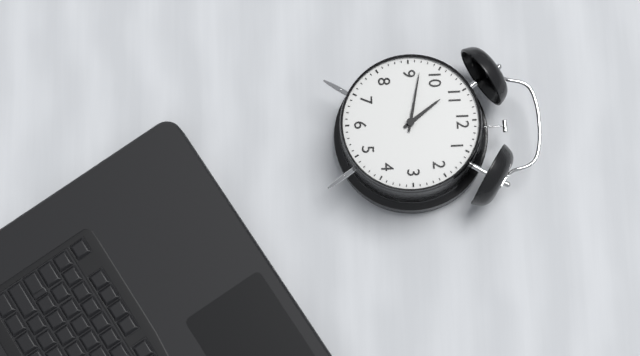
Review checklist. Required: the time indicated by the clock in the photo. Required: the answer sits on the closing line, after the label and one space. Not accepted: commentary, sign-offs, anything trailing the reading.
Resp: 10:47
